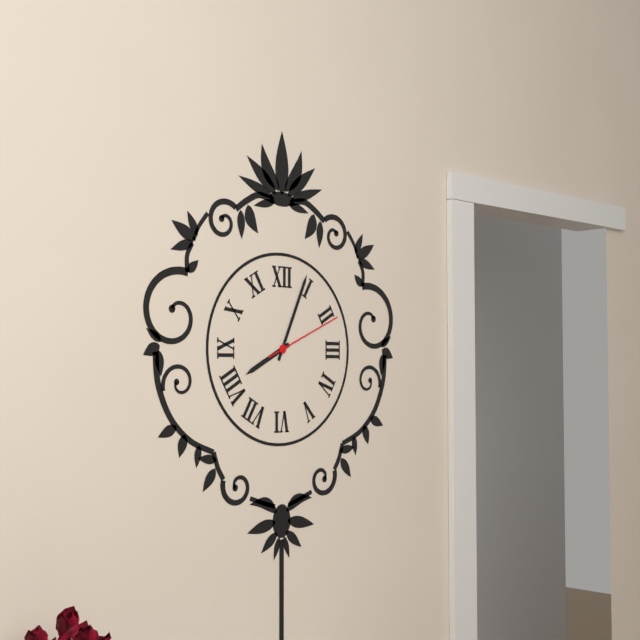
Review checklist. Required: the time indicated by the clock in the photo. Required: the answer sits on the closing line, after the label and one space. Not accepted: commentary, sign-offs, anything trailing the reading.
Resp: 8:04:11
